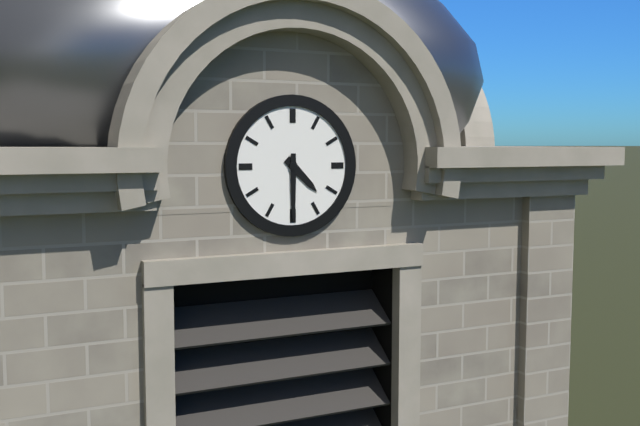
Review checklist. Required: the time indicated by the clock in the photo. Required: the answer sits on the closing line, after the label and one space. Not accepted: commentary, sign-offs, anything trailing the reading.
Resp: 4:30
